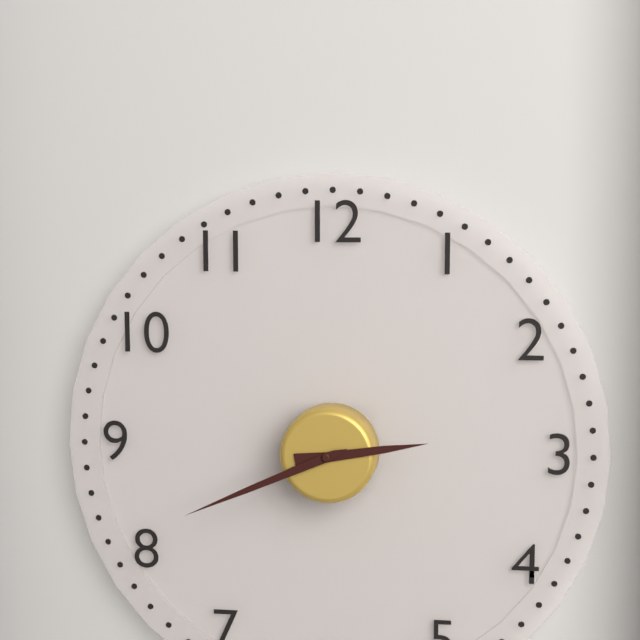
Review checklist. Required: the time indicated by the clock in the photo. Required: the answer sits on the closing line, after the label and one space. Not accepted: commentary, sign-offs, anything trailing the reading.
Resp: 2:41
